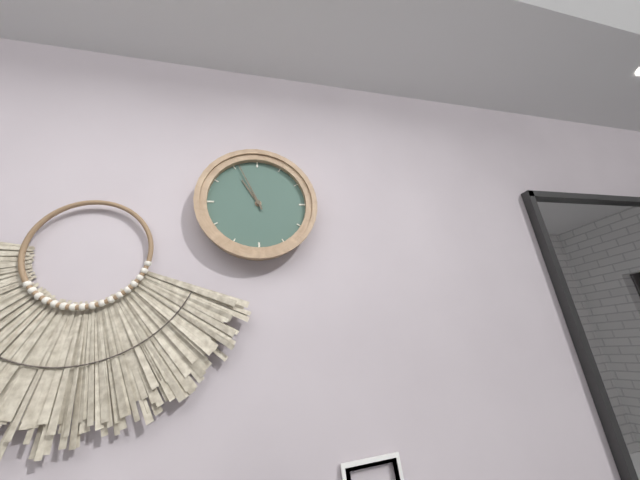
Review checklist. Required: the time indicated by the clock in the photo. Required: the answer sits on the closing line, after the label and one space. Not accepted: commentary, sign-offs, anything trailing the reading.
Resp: 10:56
